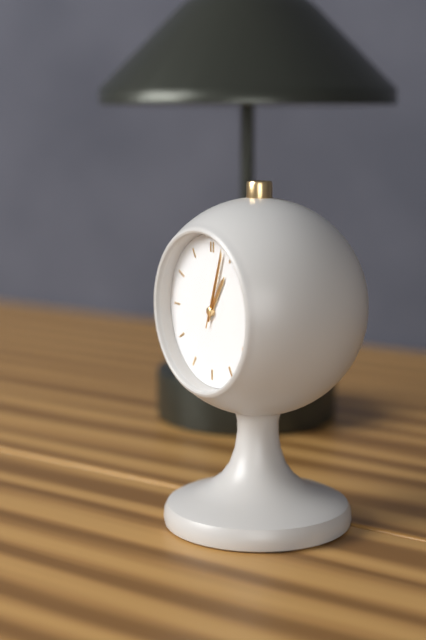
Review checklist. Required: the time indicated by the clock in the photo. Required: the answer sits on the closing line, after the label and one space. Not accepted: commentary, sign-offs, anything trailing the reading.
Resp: 1:03:03
